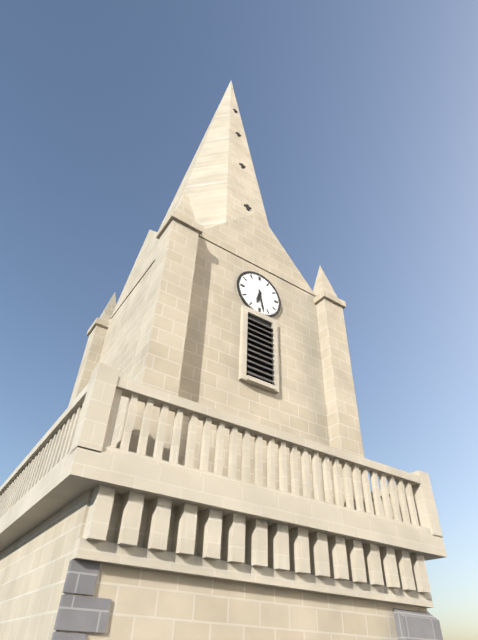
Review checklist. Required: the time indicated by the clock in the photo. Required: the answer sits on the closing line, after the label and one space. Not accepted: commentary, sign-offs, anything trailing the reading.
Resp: 6:28
